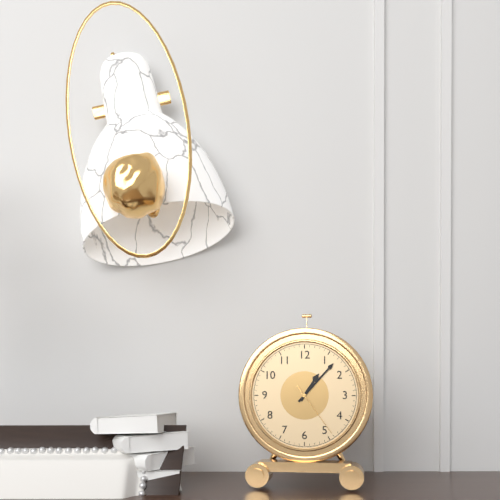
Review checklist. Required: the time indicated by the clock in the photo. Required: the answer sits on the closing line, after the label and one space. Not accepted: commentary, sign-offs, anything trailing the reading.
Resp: 1:07:24
